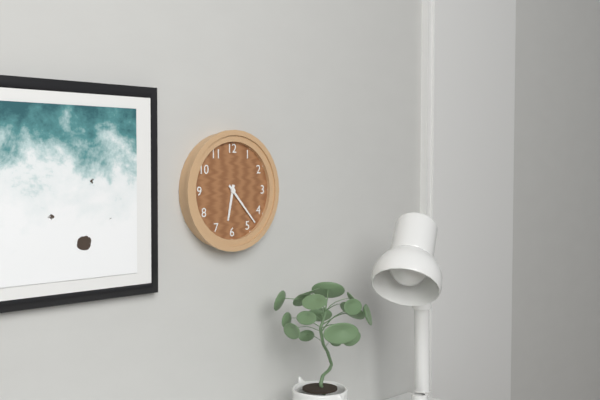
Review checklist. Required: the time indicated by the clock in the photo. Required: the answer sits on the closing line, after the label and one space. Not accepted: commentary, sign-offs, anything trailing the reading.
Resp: 6:23
